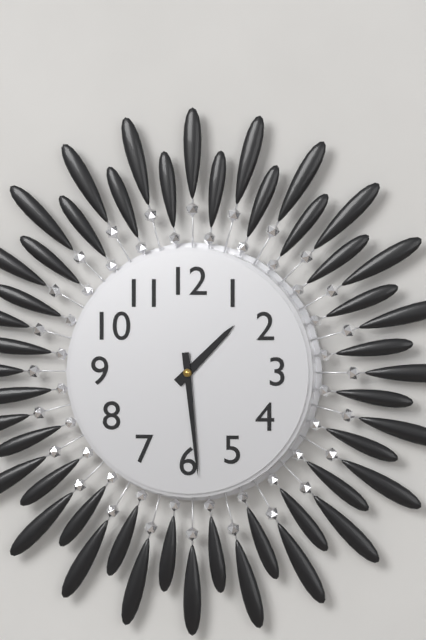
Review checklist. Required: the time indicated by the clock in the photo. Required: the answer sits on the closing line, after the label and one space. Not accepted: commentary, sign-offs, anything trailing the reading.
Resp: 1:29
